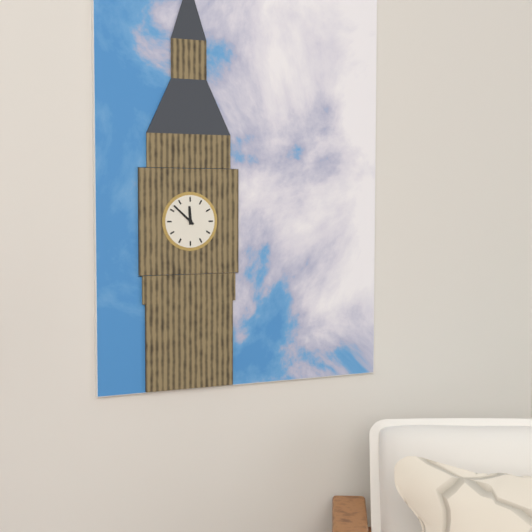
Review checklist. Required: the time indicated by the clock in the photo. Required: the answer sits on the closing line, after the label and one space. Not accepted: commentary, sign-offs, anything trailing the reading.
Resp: 11:52
